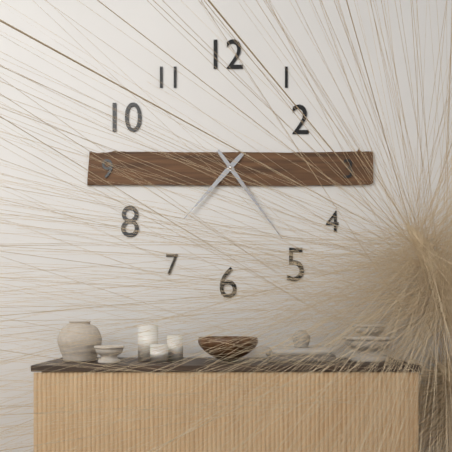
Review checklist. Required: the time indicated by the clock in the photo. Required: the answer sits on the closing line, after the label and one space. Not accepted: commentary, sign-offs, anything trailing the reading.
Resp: 7:24
